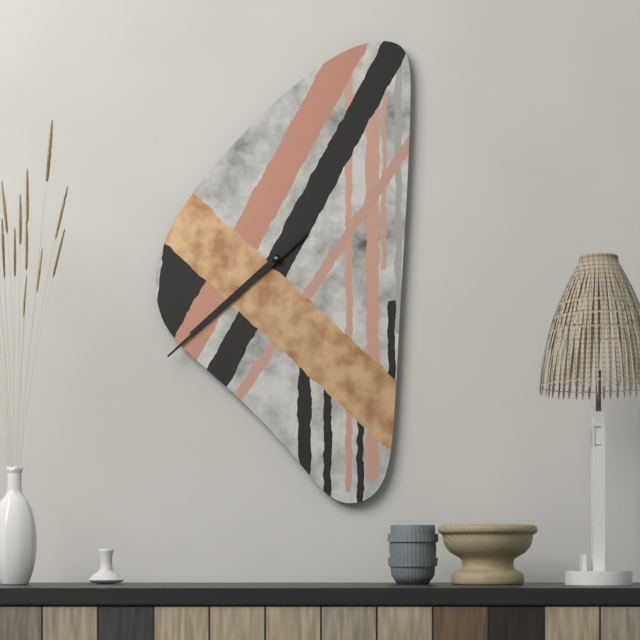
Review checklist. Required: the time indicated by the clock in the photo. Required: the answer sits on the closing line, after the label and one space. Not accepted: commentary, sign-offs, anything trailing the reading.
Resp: 7:38
